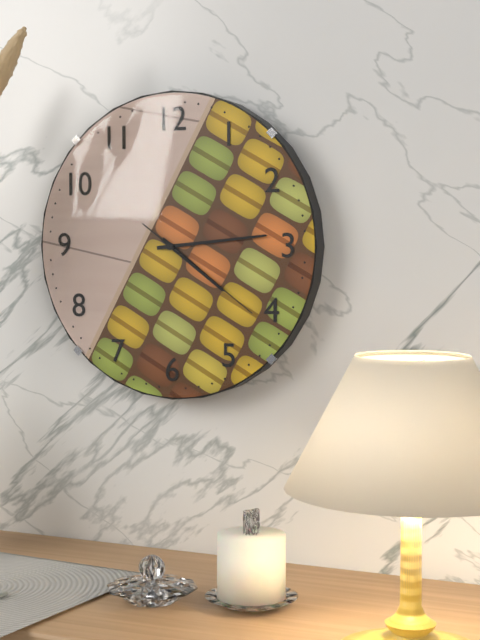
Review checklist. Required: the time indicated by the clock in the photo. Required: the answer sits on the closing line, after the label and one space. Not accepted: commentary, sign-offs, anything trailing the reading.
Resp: 4:14:21
